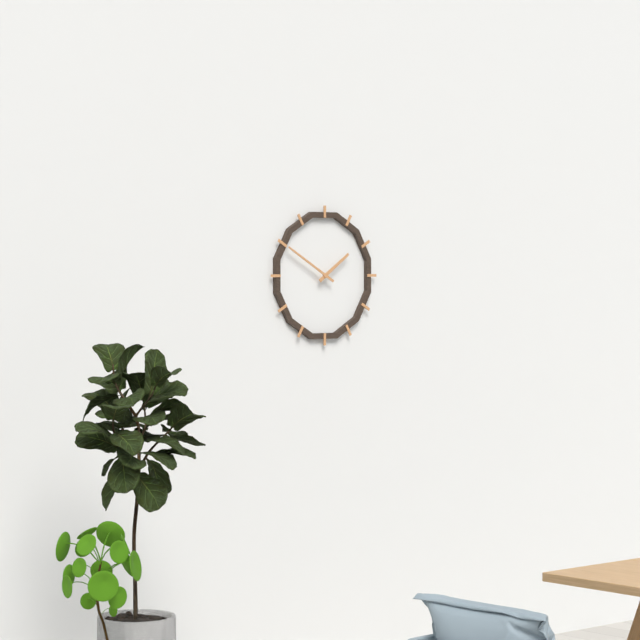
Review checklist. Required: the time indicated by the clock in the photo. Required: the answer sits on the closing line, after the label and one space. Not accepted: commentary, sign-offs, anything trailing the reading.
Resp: 1:50
